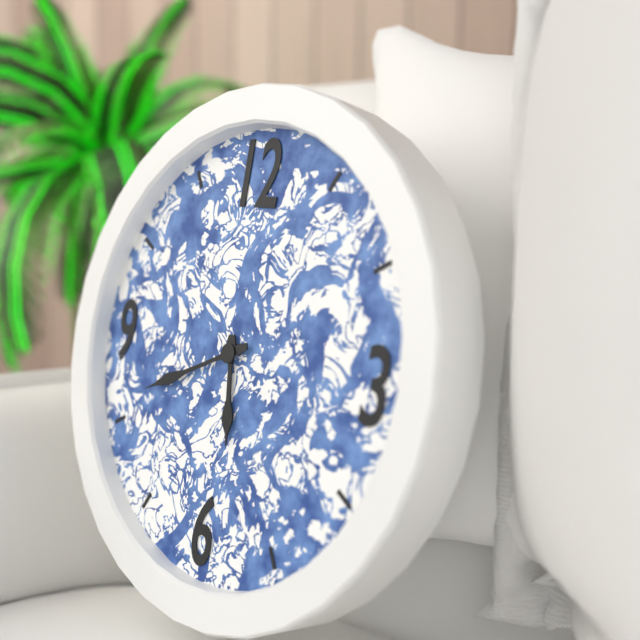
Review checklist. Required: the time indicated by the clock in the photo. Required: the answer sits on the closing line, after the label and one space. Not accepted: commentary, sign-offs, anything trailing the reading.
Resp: 5:41
